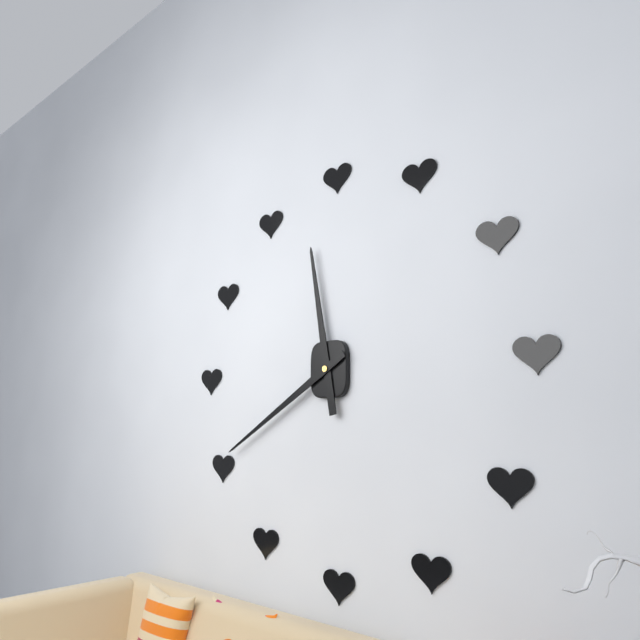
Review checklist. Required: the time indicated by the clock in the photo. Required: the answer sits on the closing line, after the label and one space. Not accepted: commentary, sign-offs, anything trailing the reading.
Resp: 11:40
